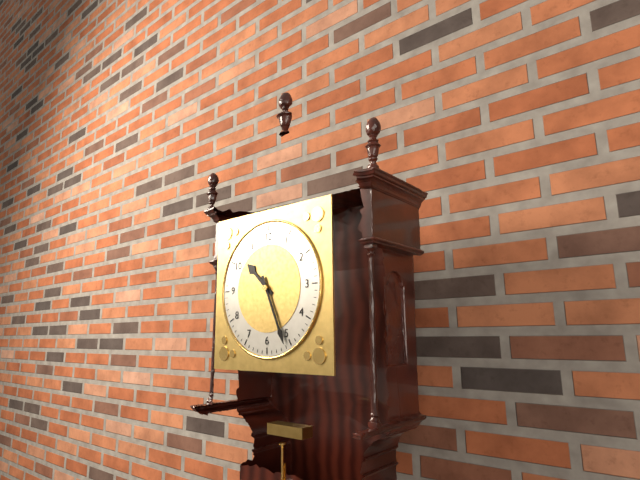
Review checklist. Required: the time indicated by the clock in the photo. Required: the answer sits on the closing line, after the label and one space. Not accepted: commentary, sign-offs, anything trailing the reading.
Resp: 10:26
